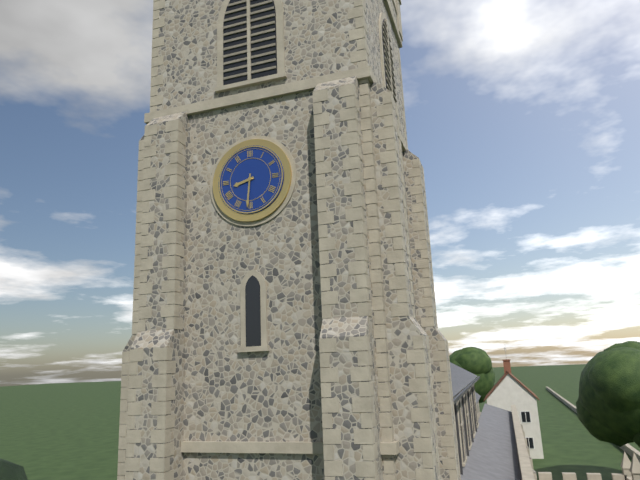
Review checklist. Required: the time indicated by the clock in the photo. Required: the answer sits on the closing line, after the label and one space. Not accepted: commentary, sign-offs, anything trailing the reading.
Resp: 8:31
